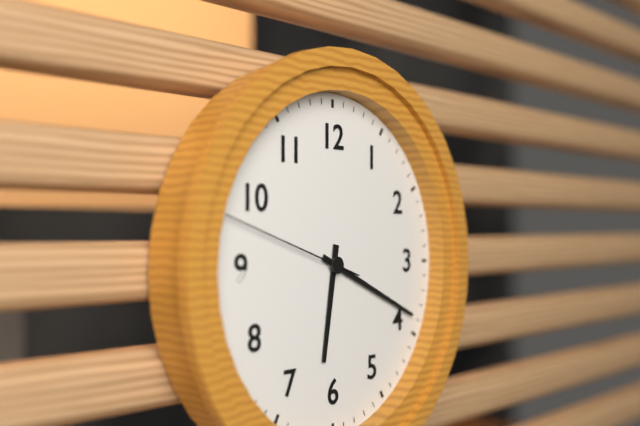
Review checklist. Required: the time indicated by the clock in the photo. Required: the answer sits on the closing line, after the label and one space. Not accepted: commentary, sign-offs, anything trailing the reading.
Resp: 6:19:48
